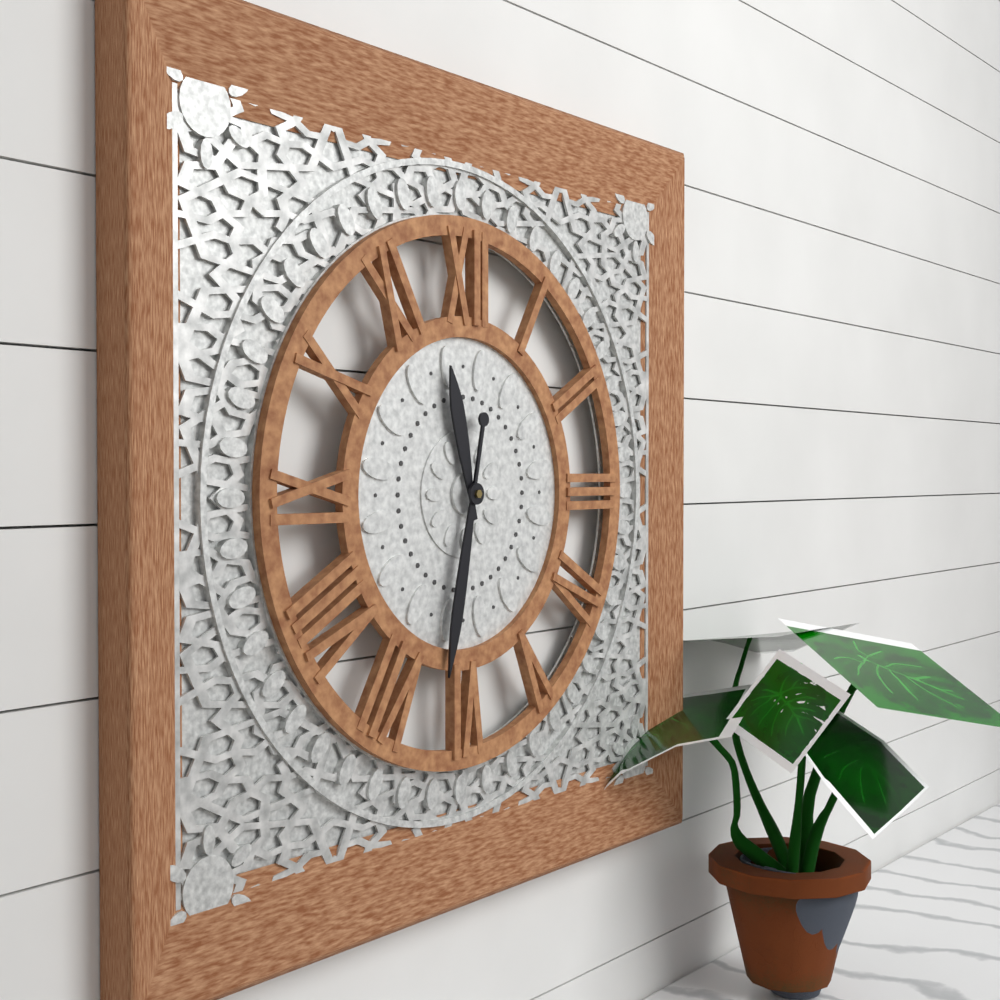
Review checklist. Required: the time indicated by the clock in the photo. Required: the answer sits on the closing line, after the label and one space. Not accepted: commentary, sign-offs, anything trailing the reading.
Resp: 11:32
